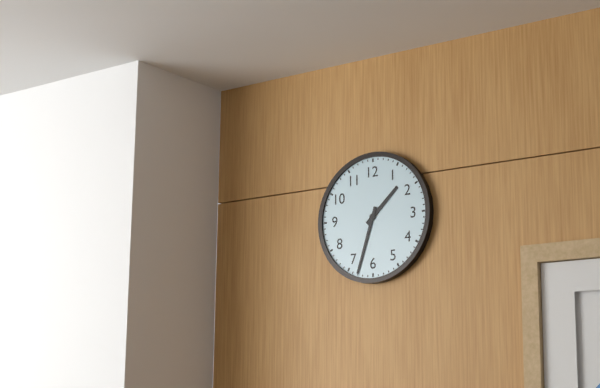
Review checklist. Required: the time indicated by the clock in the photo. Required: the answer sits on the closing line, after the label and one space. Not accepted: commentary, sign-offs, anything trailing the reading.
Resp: 1:33
